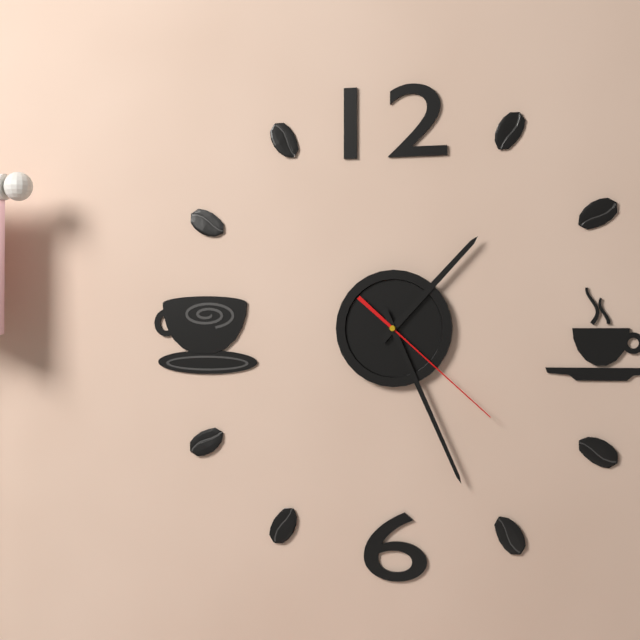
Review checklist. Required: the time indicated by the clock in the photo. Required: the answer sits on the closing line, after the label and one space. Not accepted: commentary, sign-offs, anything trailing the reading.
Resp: 1:26:22
